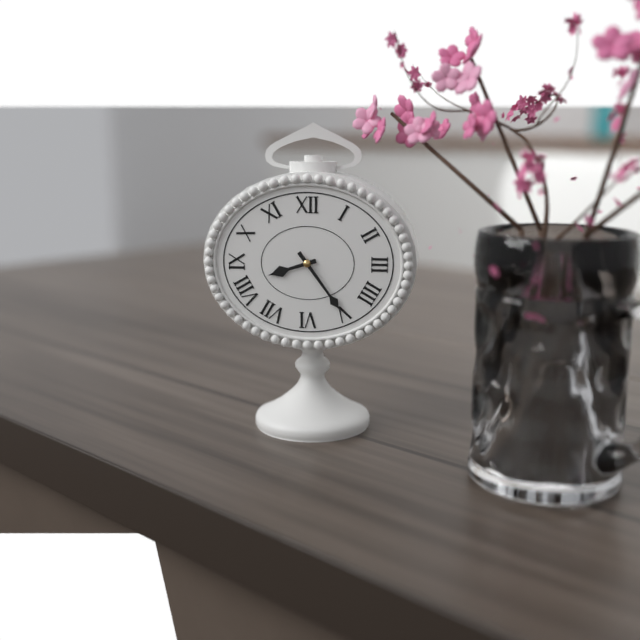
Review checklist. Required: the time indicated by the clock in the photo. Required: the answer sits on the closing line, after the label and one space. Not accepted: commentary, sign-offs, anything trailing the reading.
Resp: 8:24
